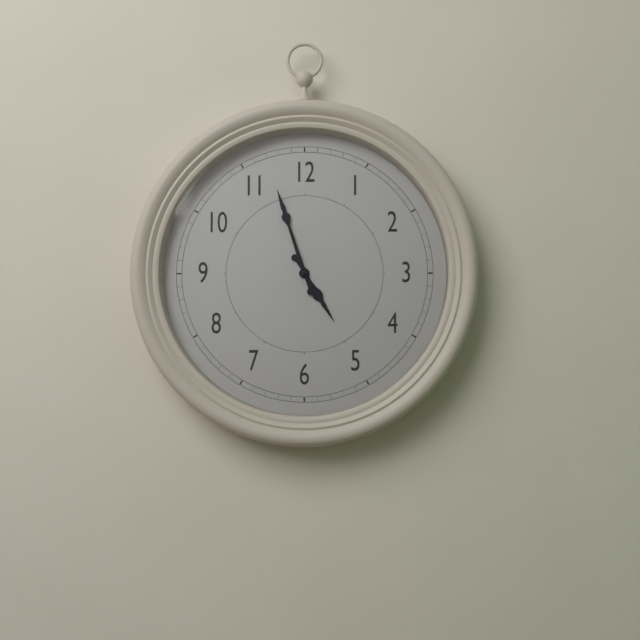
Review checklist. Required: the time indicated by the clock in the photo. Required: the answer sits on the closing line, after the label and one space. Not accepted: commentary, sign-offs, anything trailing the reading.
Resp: 4:57
